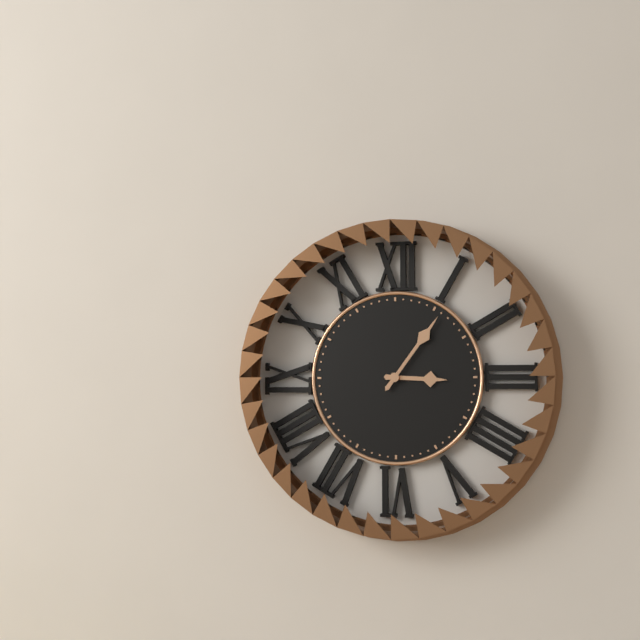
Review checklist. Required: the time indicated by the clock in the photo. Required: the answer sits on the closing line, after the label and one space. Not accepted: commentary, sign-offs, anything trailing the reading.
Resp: 3:06
